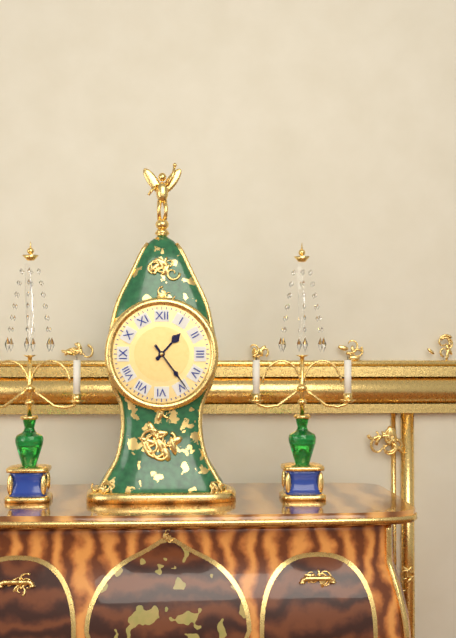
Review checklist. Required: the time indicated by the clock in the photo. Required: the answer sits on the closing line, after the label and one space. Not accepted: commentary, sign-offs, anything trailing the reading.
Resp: 1:24
